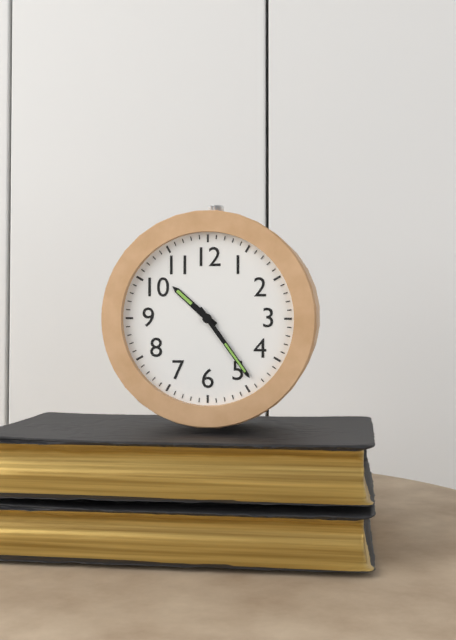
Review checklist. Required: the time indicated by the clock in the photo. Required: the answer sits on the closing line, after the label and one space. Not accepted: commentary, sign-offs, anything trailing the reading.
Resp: 10:24
